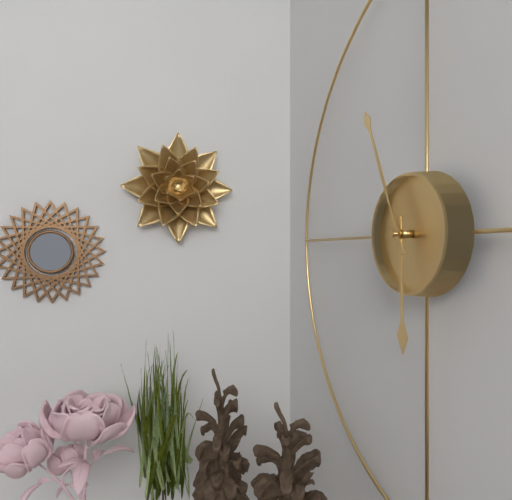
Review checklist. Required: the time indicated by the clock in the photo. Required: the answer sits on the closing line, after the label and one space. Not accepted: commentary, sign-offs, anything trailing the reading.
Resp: 5:56
